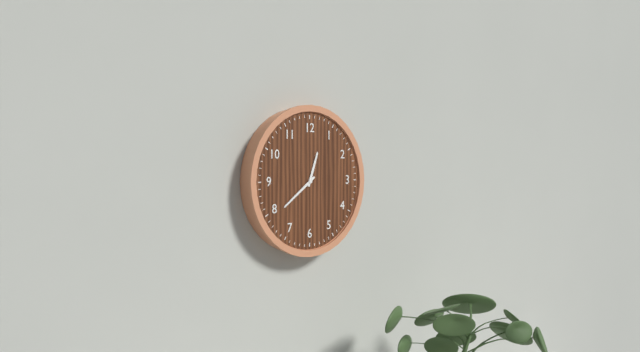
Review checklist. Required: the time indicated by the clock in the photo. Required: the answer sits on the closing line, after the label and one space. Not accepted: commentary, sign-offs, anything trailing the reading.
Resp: 12:39
